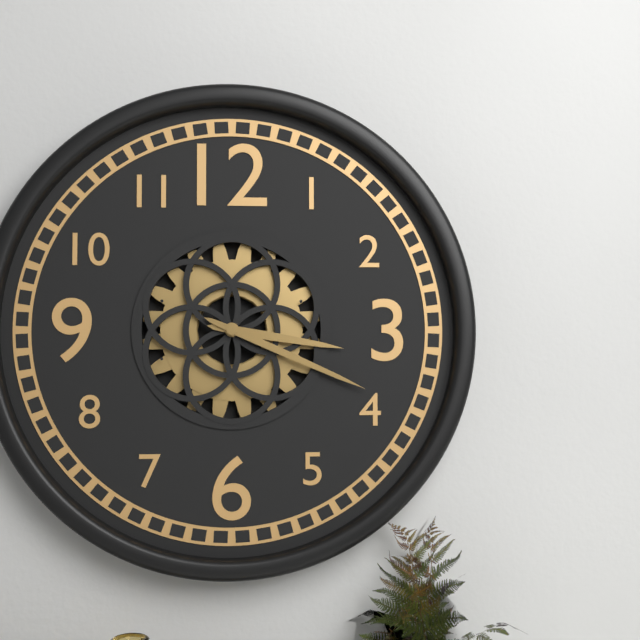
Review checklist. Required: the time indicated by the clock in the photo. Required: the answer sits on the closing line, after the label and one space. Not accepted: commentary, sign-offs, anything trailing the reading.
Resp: 3:19
